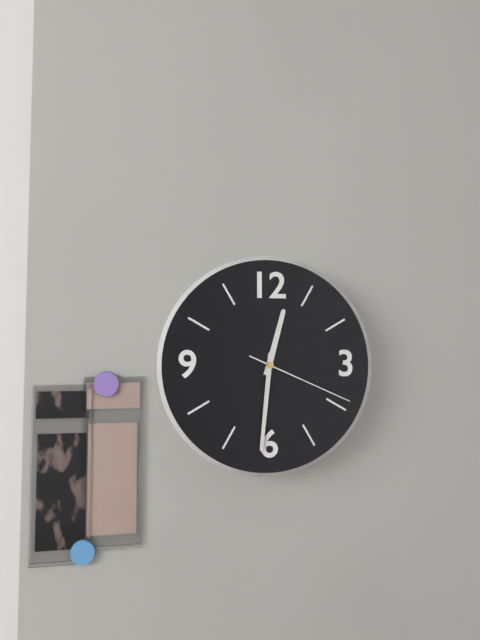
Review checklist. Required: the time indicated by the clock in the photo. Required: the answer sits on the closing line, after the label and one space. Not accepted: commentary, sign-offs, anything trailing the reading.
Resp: 12:31:19
